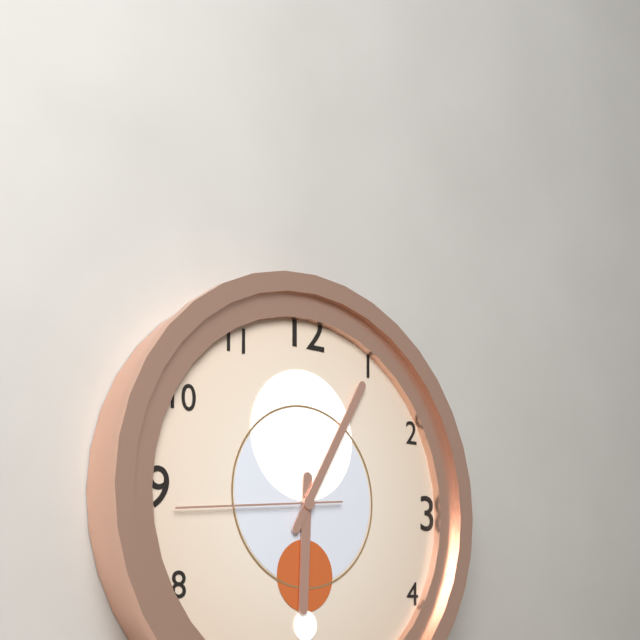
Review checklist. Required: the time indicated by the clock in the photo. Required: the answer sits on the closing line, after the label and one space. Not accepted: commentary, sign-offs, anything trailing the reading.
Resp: 6:05:44
